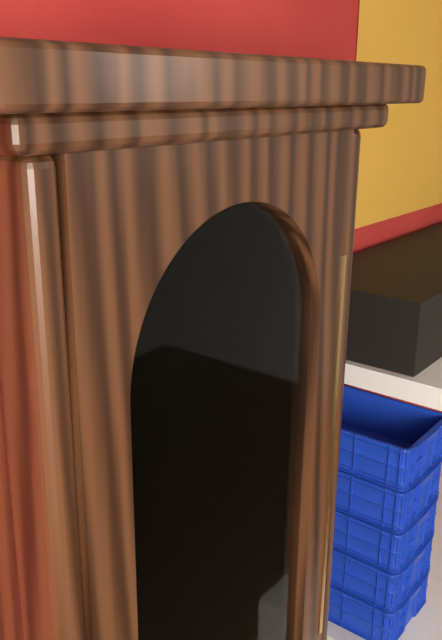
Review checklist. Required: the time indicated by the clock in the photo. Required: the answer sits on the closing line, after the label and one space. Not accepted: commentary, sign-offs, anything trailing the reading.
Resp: 4:21
